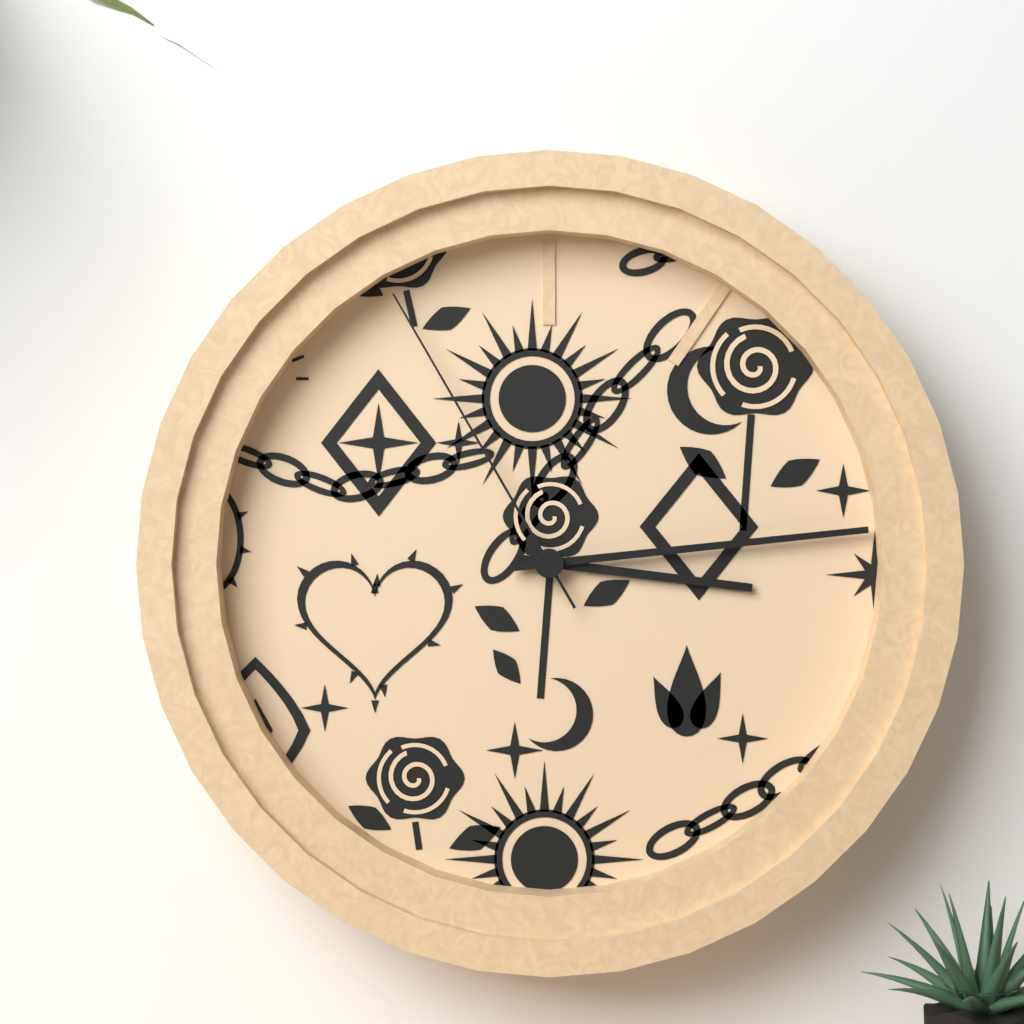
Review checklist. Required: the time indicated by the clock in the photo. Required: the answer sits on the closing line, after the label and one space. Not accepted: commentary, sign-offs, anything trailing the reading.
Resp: 3:14:55
